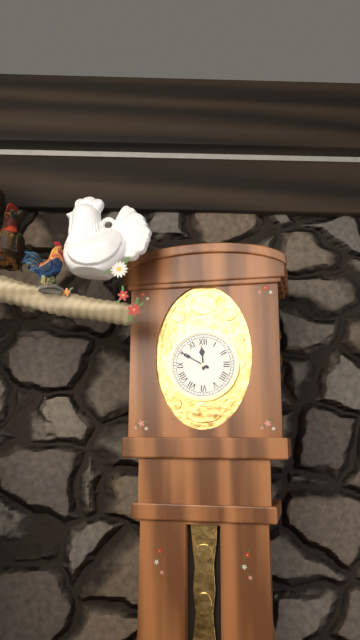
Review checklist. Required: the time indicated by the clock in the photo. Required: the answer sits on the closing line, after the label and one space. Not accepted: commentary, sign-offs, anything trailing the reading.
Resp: 11:50
